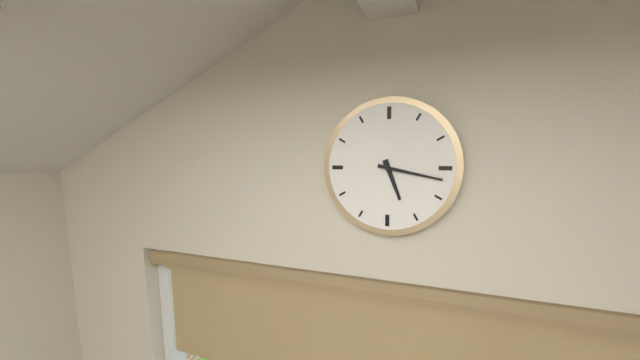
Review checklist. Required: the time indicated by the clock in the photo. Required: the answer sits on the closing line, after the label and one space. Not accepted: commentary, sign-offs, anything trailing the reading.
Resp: 5:17
